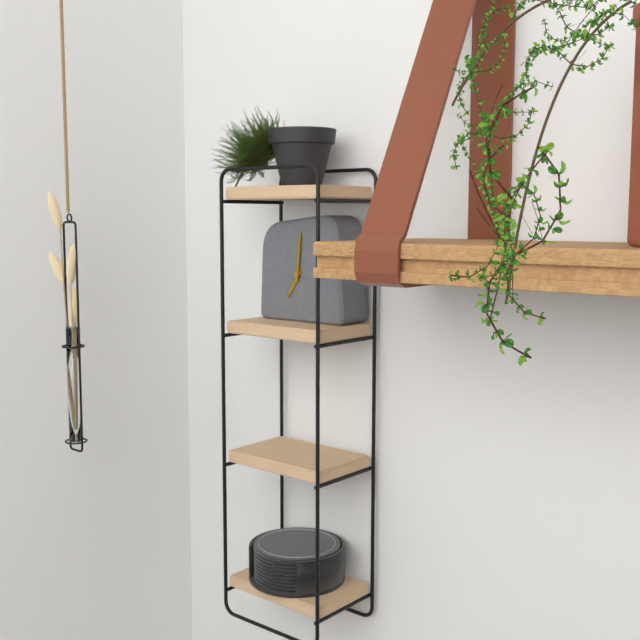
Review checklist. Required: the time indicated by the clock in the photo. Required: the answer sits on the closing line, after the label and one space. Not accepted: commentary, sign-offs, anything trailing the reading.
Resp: 7:01
